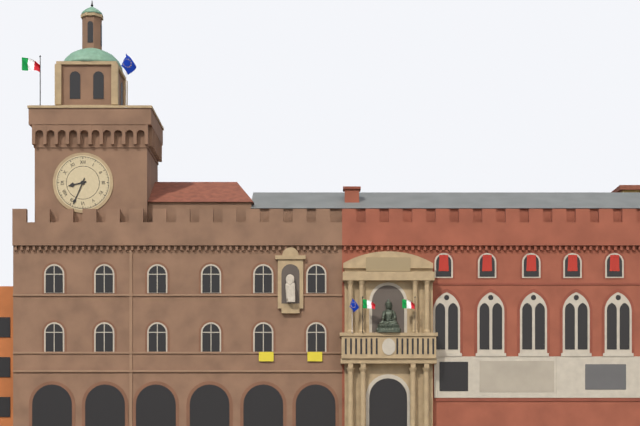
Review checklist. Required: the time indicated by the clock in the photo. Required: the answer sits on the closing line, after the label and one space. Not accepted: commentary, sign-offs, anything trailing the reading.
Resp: 8:34
